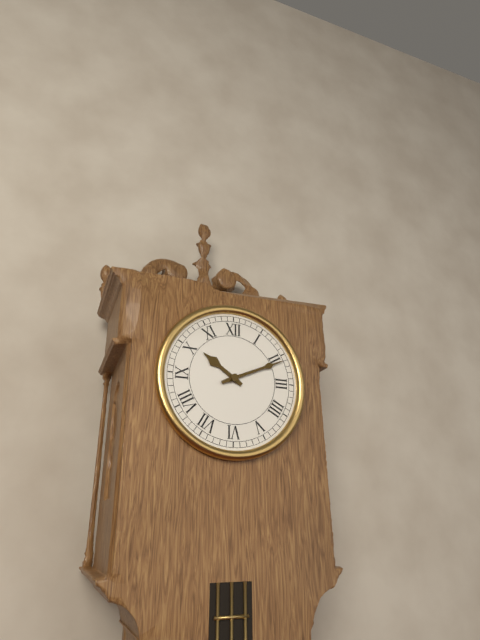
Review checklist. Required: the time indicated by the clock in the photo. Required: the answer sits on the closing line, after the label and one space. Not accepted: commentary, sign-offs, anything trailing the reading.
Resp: 10:11
